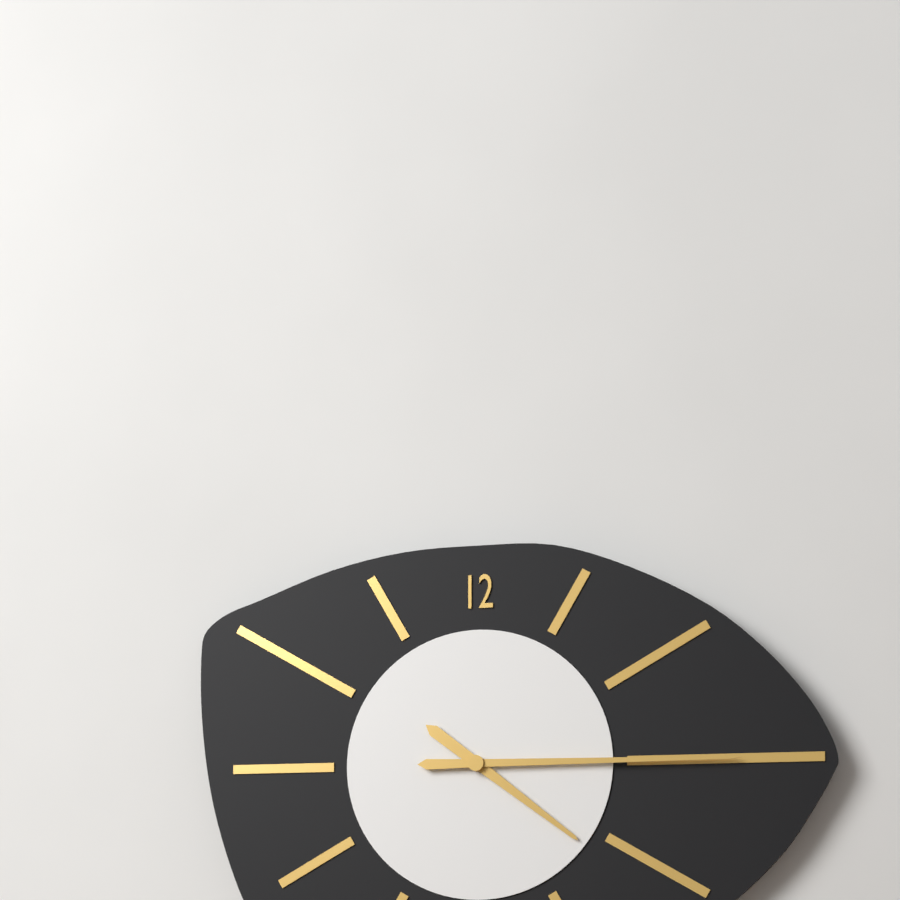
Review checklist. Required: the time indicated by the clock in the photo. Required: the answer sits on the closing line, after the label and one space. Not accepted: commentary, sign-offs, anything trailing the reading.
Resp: 4:15
